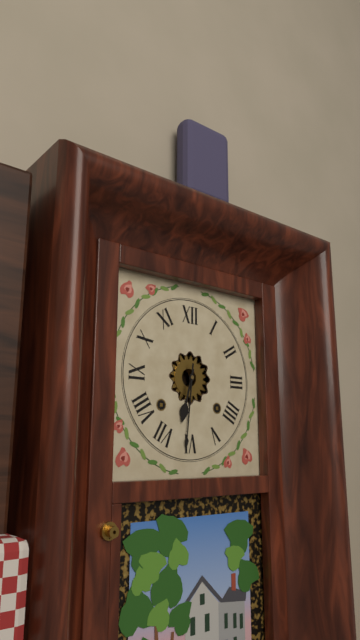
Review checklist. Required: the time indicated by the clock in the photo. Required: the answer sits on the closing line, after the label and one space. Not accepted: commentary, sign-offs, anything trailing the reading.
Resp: 6:31
